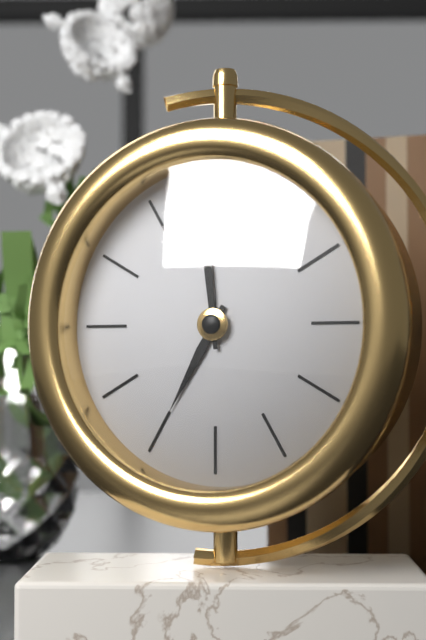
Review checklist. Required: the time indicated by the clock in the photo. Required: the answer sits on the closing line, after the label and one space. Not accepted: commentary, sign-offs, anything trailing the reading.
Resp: 6:59
